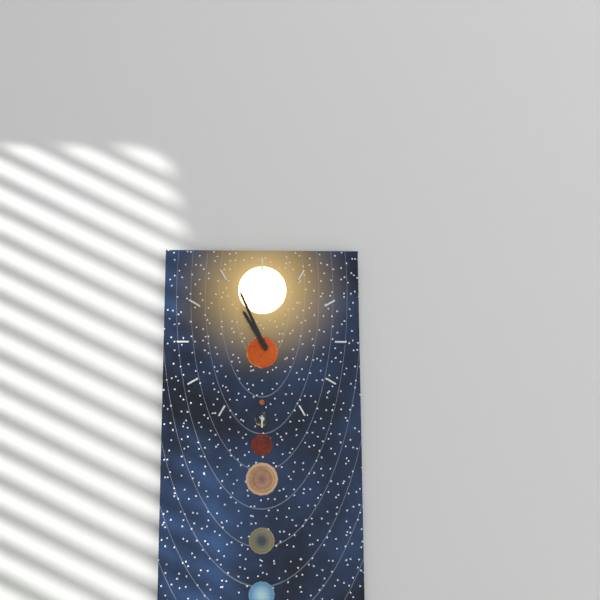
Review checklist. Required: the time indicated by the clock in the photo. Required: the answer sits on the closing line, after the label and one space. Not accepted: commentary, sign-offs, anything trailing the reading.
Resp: 10:56
